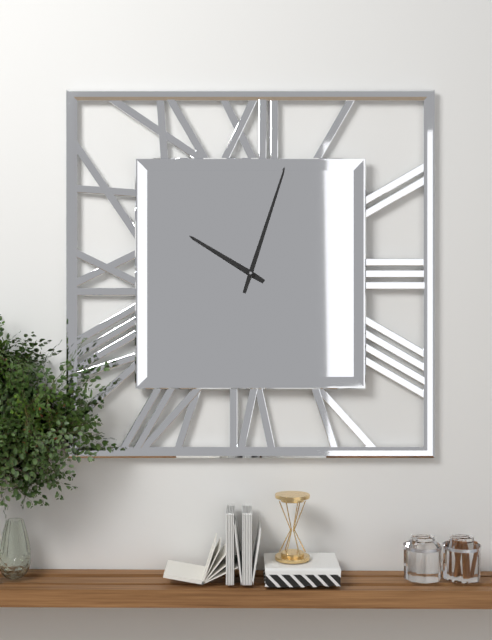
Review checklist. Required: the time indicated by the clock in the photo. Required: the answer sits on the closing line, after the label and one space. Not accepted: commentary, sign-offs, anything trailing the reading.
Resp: 10:03
